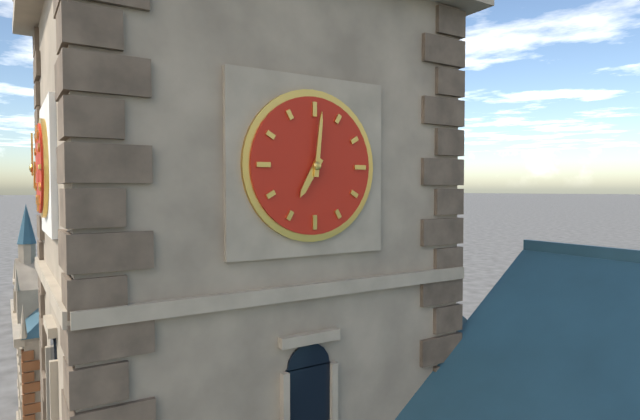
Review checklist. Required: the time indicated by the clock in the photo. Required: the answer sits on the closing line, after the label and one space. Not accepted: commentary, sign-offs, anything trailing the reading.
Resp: 7:01
